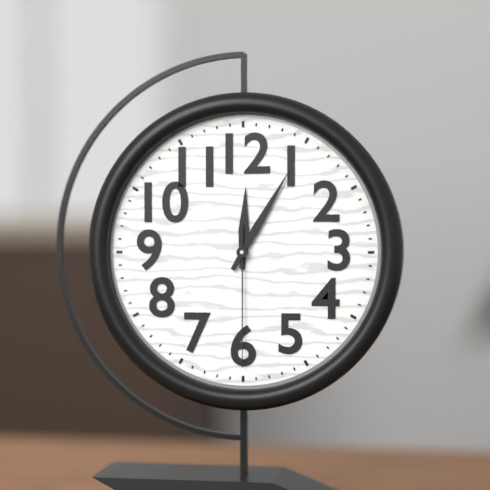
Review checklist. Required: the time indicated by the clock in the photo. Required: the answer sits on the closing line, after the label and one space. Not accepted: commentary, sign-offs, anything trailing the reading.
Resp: 12:05:30
